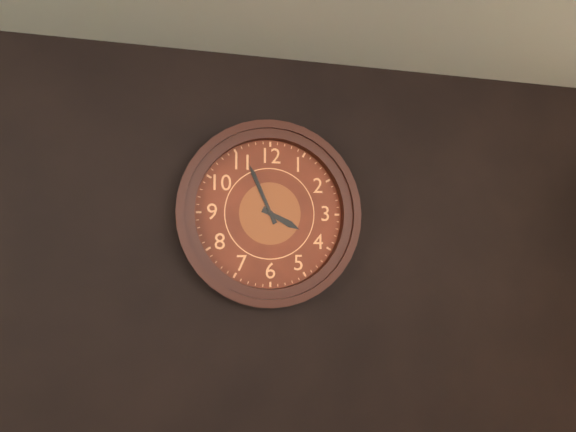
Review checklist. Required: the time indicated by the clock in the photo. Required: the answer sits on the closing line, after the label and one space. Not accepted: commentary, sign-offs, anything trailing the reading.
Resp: 3:56
